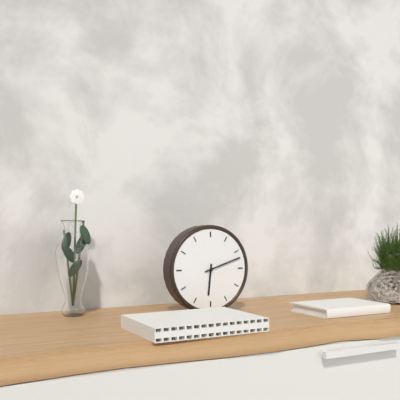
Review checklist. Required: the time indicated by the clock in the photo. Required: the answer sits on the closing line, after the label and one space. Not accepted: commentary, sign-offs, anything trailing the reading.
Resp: 6:12
